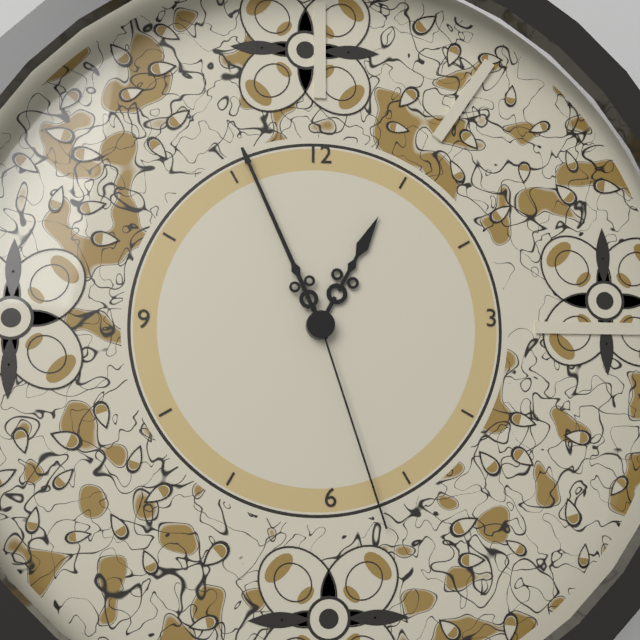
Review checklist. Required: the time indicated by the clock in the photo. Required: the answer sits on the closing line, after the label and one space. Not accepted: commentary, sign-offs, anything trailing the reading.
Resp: 12:56:27
